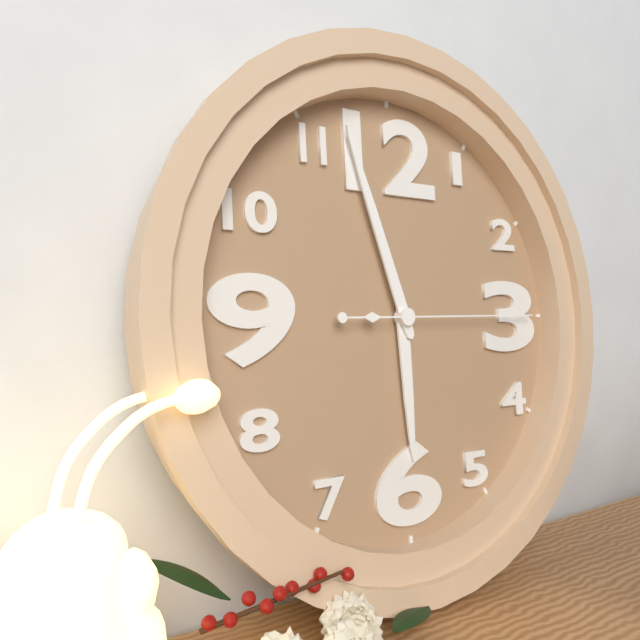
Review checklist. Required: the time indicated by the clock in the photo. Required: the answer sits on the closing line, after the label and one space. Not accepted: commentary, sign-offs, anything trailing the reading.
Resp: 5:57:15
